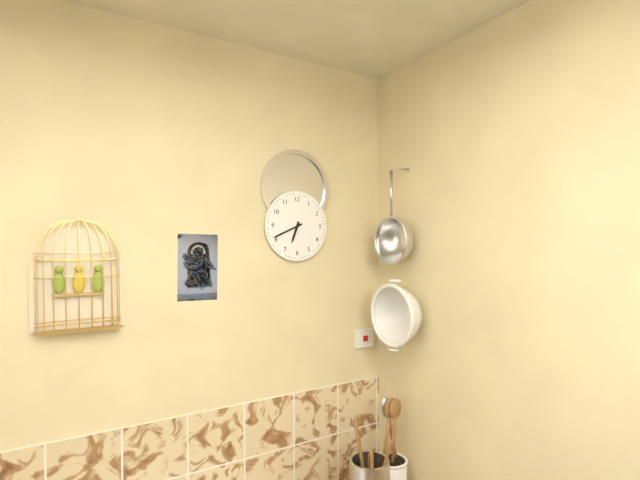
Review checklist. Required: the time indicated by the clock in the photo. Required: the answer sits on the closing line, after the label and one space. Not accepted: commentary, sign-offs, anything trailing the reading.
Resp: 6:41
